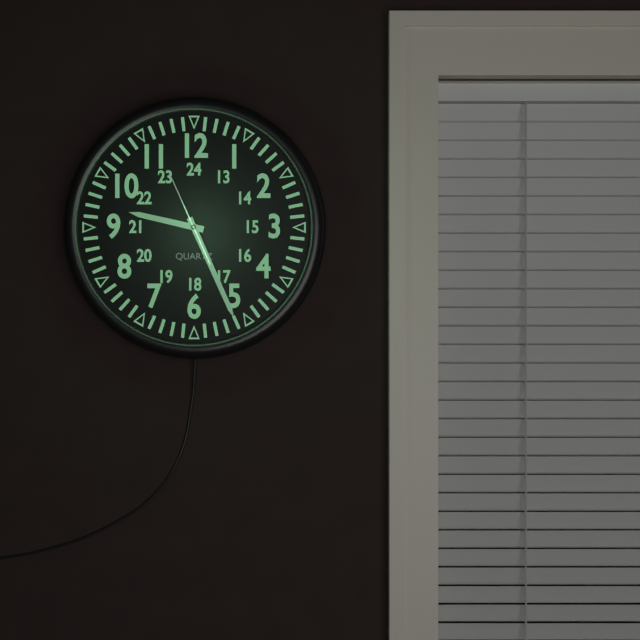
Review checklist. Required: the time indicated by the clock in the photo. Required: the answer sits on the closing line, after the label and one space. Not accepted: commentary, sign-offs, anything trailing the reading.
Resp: 9:26:56
